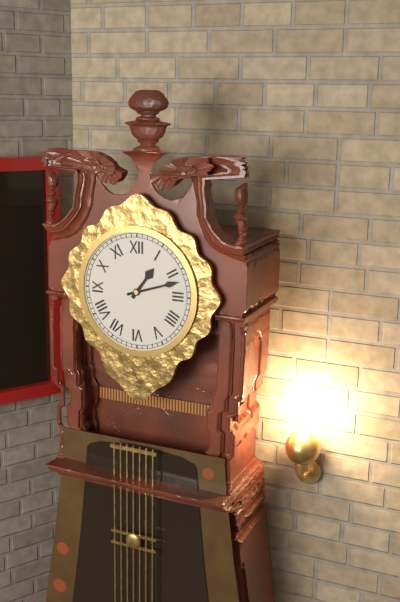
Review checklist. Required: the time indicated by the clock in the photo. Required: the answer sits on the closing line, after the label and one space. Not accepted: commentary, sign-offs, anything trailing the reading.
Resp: 1:12
